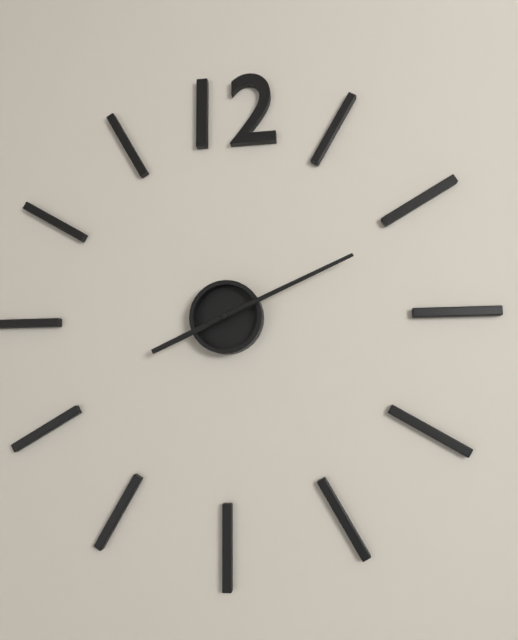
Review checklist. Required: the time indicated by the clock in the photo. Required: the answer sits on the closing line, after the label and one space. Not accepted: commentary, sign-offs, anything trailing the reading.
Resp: 8:11
